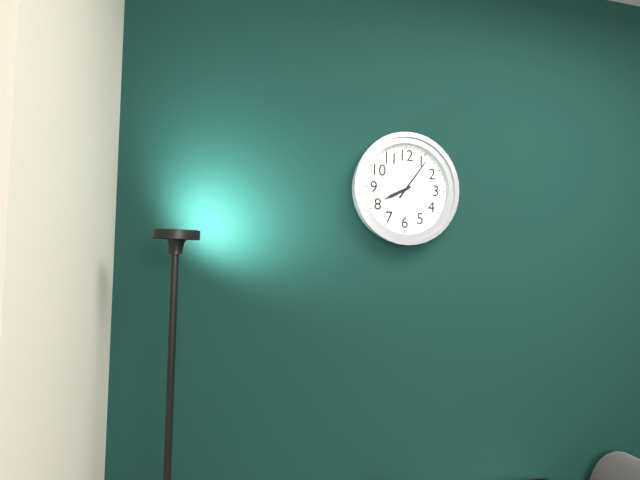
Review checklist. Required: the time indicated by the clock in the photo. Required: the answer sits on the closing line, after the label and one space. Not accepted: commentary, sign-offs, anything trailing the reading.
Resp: 8:06
